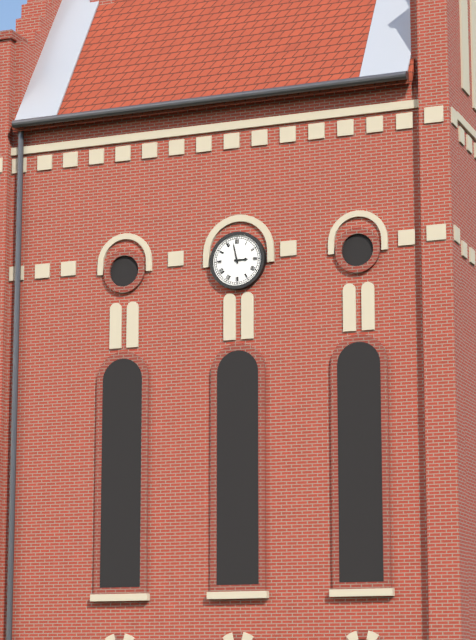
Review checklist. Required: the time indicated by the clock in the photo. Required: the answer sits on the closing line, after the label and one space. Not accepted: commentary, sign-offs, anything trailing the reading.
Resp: 2:58
